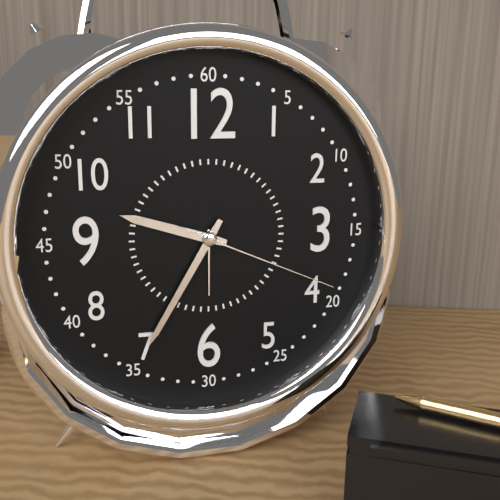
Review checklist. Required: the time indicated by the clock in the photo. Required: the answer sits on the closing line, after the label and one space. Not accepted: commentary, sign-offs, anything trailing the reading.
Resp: 9:35:19
